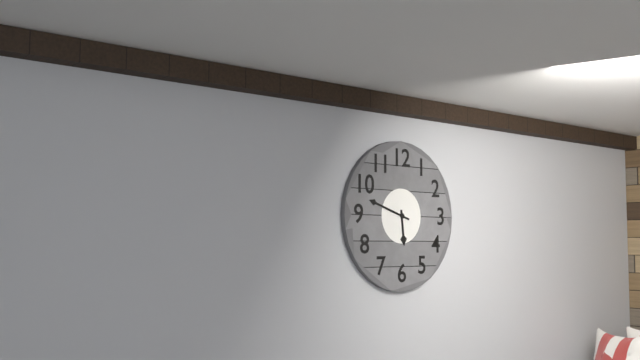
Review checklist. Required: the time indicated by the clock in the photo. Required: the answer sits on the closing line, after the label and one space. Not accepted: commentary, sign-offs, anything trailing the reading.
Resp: 5:48
